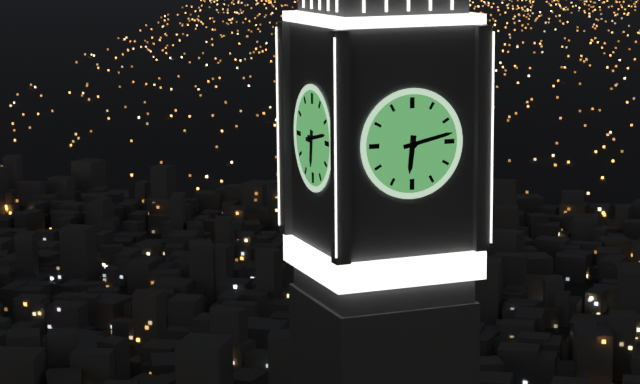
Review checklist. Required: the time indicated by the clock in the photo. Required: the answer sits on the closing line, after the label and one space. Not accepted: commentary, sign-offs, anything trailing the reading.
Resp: 6:13
